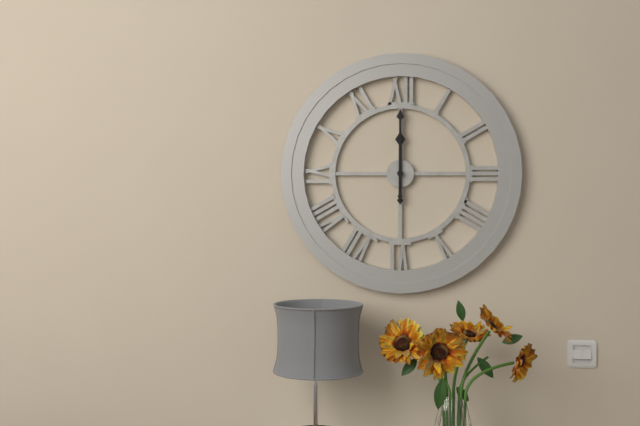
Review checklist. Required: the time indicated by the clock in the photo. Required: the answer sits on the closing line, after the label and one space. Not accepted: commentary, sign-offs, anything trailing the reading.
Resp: 12:00
